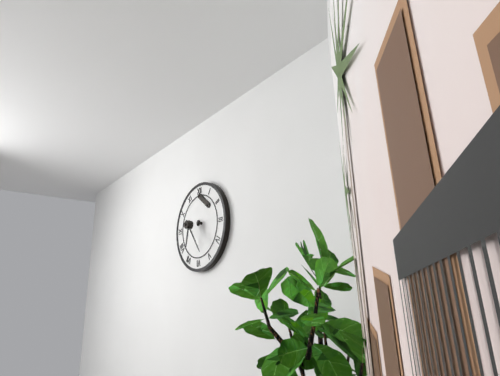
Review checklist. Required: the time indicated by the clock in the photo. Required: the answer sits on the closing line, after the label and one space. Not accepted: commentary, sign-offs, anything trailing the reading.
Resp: 6:24
